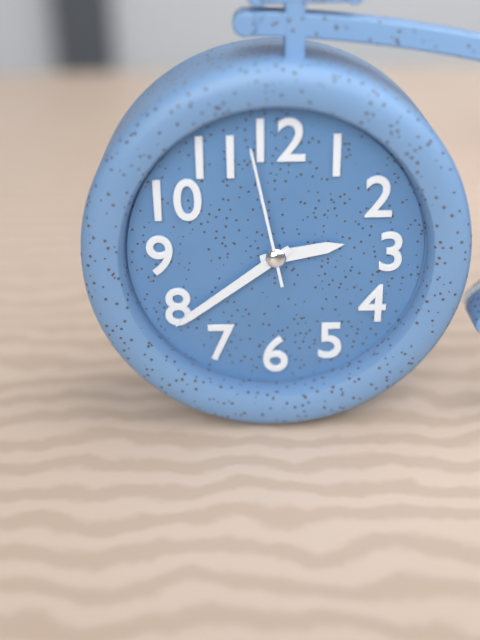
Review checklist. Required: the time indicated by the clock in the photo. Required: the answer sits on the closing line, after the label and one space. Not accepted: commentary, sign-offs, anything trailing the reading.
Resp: 2:39:58
